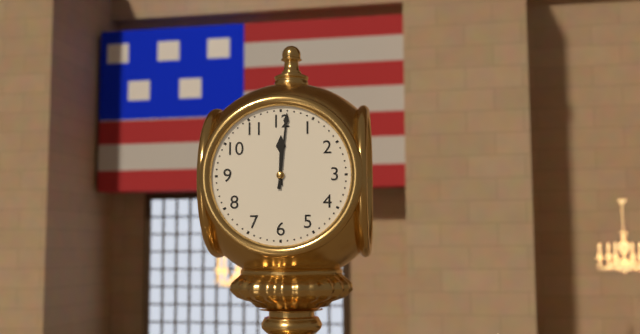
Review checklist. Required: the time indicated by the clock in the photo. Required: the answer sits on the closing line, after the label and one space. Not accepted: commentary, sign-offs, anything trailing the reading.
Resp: 12:01
